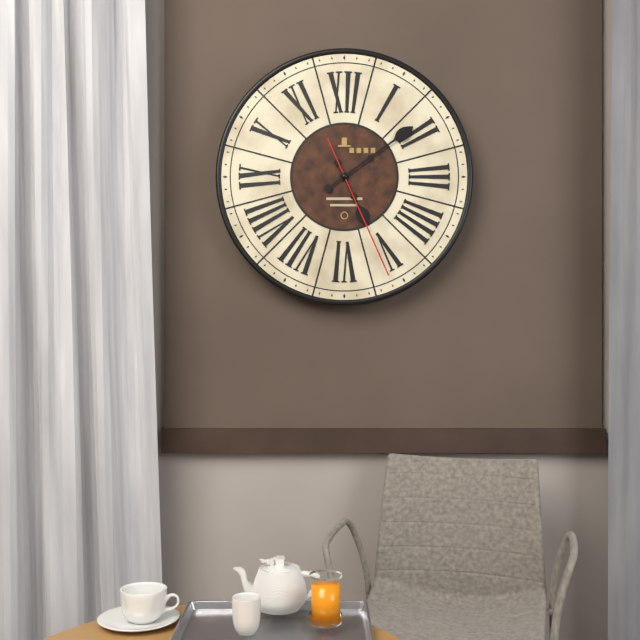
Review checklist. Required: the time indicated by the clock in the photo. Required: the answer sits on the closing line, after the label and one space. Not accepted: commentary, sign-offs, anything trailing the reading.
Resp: 5:09:26
